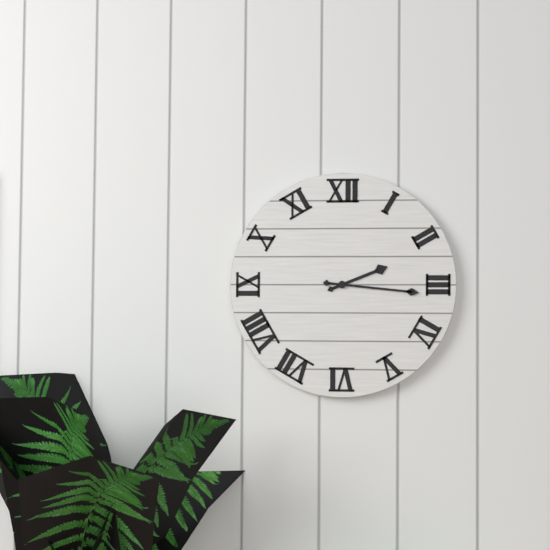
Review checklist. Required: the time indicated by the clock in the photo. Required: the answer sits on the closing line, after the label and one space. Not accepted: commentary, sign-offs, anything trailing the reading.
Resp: 2:16
